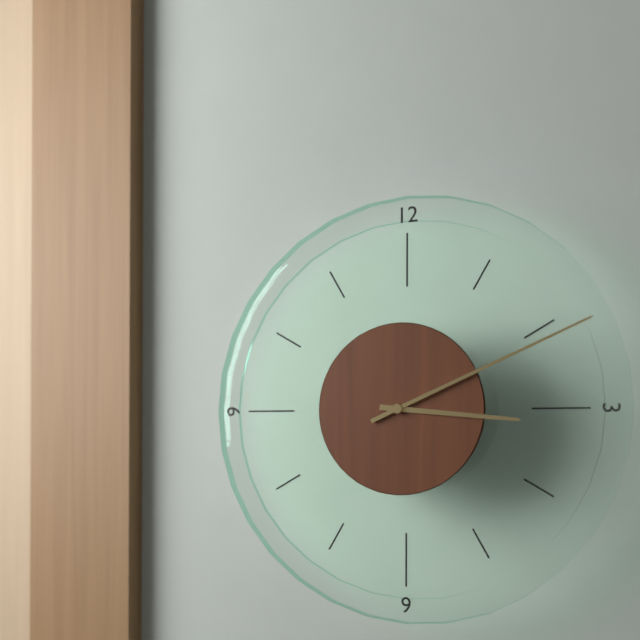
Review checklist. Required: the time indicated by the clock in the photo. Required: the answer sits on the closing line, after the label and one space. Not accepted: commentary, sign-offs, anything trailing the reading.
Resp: 3:11
